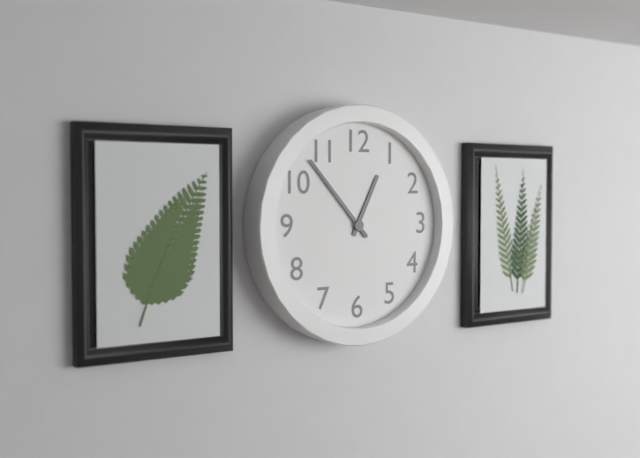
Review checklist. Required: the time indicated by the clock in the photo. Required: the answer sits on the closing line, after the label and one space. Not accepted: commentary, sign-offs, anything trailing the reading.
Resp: 12:53
